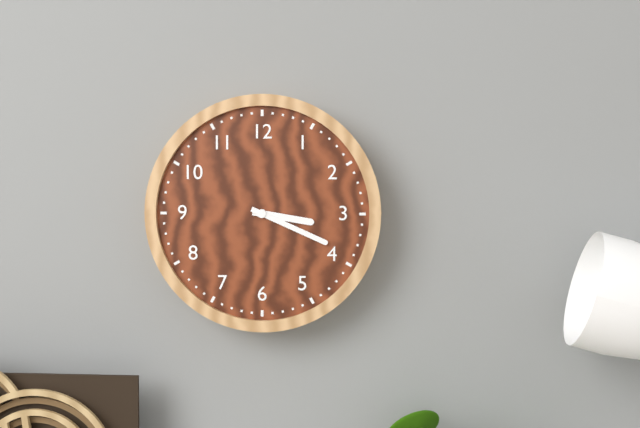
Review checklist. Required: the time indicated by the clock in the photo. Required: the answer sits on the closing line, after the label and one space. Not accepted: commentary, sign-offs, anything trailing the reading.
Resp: 3:19
